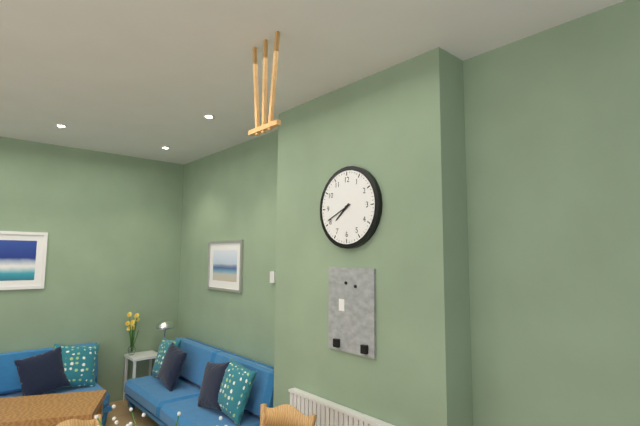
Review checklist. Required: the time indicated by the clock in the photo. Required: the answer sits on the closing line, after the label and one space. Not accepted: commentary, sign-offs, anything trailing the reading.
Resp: 7:41
